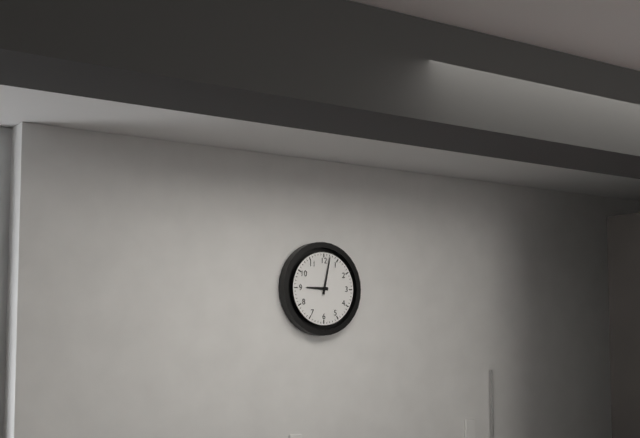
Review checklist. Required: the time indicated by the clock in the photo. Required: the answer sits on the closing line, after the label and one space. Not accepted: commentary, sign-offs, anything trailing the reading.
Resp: 9:02
